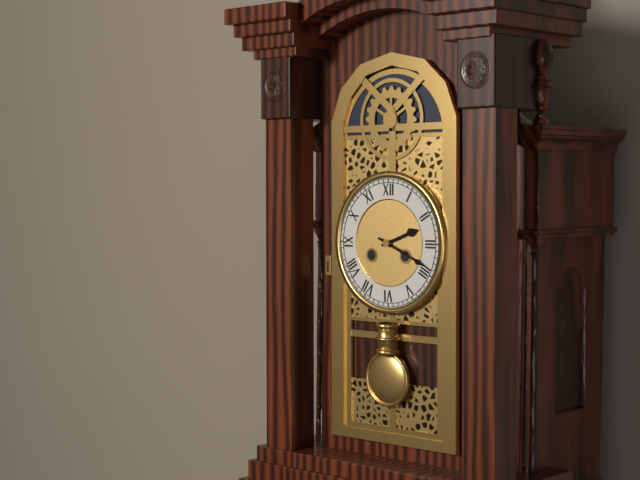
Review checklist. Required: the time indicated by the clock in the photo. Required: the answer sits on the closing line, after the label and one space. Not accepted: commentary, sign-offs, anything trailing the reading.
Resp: 2:19
